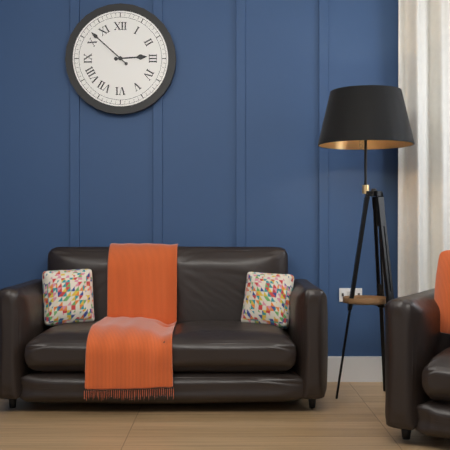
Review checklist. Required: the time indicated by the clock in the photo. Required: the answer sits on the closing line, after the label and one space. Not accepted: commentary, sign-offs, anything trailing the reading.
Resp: 2:52
